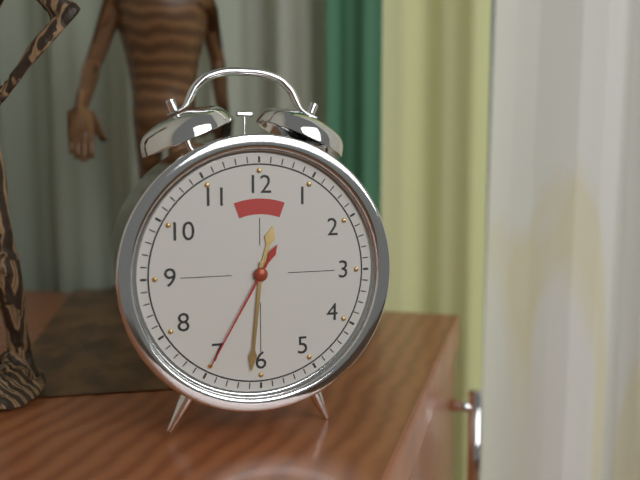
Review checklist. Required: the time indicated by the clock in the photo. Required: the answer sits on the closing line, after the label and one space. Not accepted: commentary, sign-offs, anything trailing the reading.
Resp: 12:31:35
